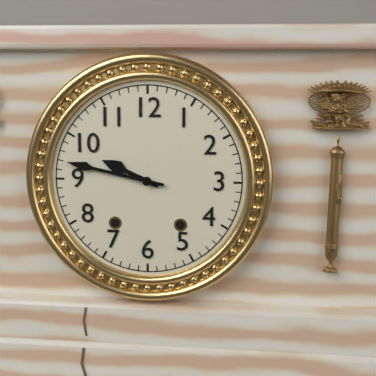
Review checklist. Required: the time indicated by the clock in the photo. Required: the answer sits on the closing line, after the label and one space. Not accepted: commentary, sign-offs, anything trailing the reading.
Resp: 9:47
